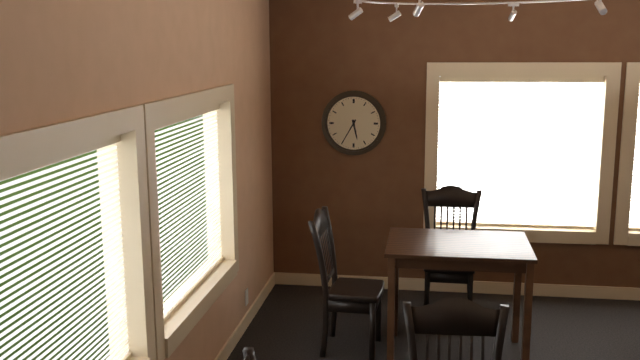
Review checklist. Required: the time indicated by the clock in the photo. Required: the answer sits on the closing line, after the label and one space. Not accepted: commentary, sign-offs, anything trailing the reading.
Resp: 5:35
